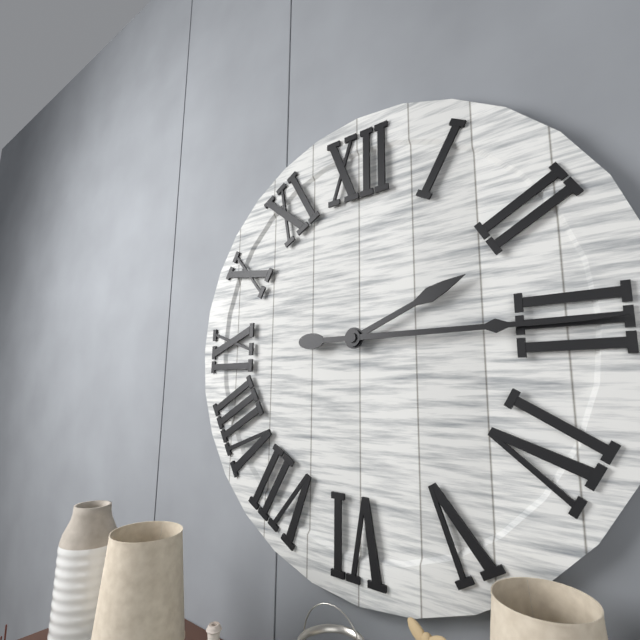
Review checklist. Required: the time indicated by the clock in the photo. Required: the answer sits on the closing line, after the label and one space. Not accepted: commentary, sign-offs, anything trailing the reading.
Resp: 2:15
